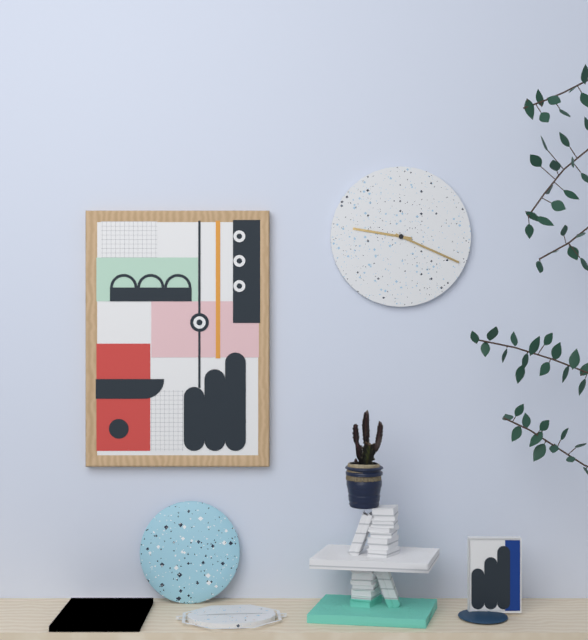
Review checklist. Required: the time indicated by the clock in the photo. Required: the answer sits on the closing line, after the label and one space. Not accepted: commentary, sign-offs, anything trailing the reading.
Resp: 9:19
